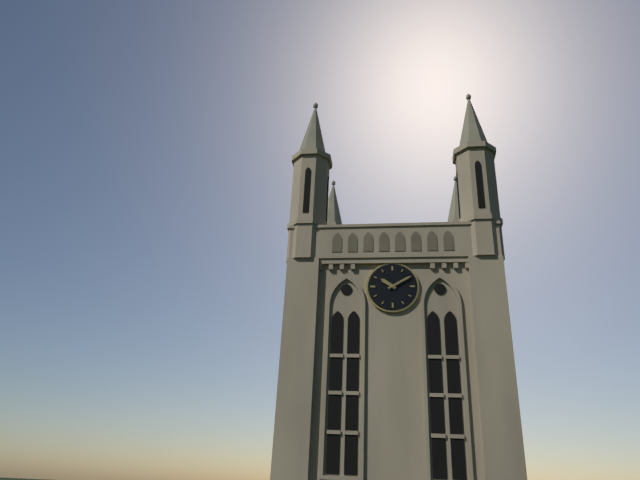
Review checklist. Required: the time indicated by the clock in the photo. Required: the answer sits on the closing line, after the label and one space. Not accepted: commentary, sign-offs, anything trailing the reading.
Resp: 10:10
